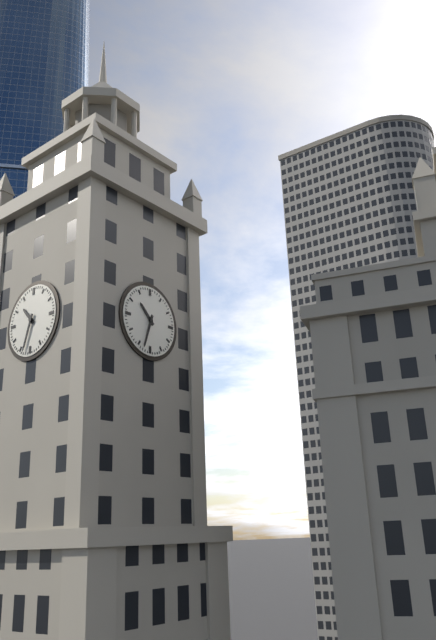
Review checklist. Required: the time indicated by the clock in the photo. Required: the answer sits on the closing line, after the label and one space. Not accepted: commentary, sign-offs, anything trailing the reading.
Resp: 10:33
